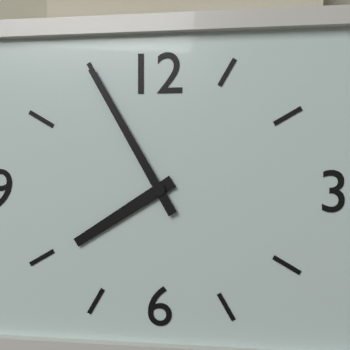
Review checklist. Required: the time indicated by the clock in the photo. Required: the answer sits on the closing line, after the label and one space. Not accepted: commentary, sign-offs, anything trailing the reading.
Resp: 7:55
